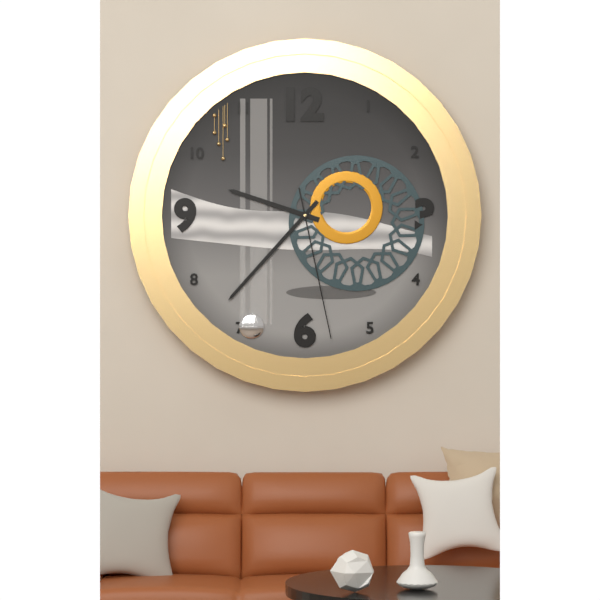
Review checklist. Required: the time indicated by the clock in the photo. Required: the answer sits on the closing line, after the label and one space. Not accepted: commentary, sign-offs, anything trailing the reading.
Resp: 9:37:28
